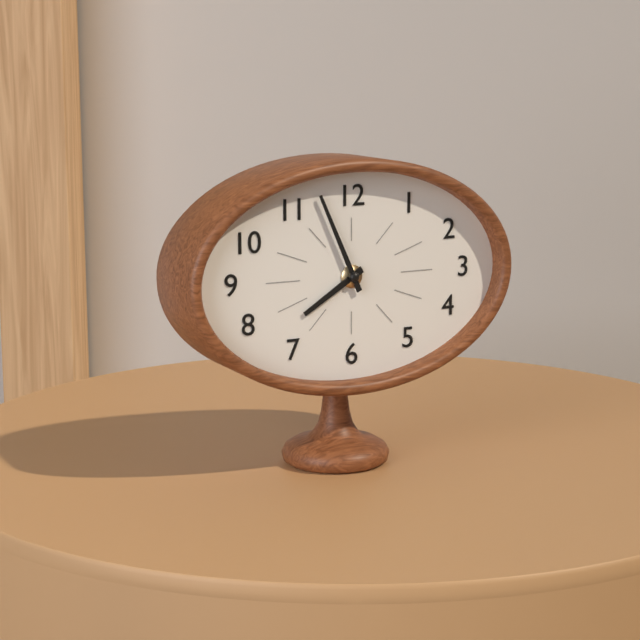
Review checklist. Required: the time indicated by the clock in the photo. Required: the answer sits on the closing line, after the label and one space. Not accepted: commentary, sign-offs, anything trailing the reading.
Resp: 7:56
